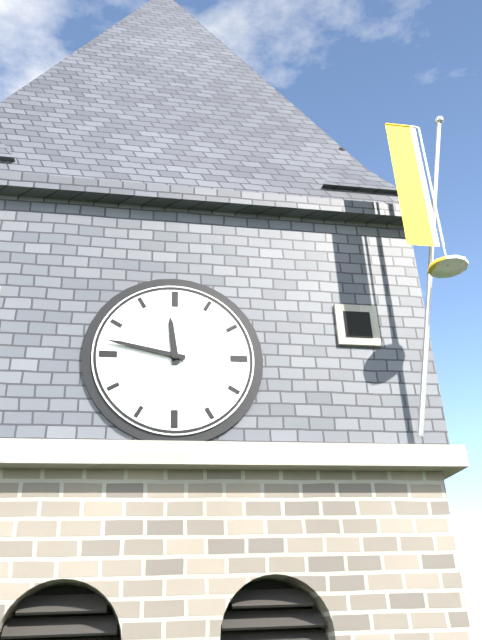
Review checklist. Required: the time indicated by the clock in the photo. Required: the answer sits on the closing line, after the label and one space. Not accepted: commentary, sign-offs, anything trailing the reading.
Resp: 11:47
